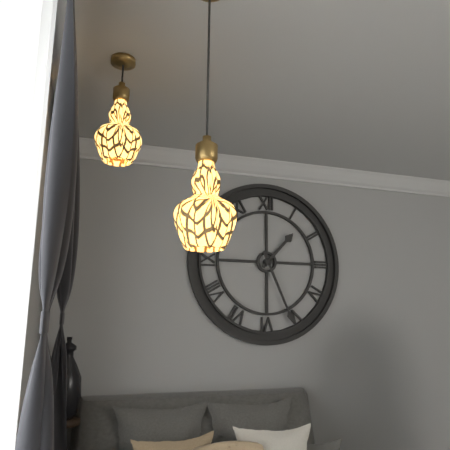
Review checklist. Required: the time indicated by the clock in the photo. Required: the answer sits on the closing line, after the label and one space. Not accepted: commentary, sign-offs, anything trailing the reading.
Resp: 1:26
